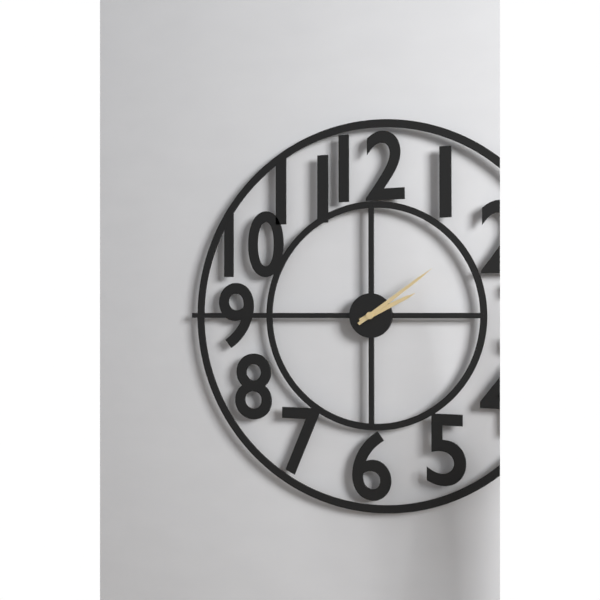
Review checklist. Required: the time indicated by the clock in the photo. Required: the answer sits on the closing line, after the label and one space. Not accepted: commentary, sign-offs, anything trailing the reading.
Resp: 2:09
